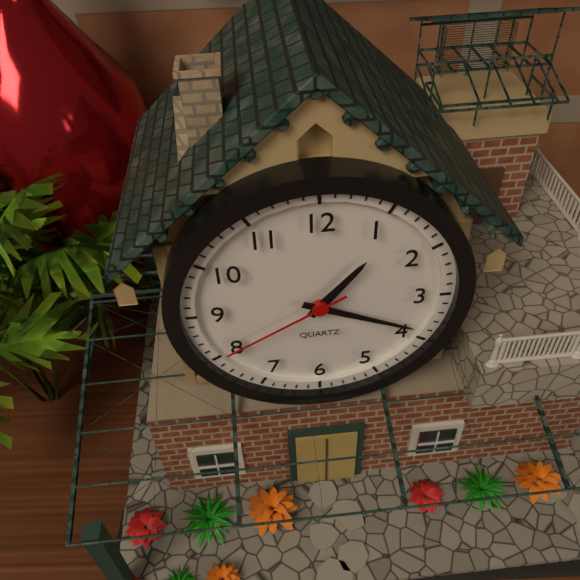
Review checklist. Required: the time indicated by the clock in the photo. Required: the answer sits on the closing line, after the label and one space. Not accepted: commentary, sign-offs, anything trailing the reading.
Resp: 1:19:40
